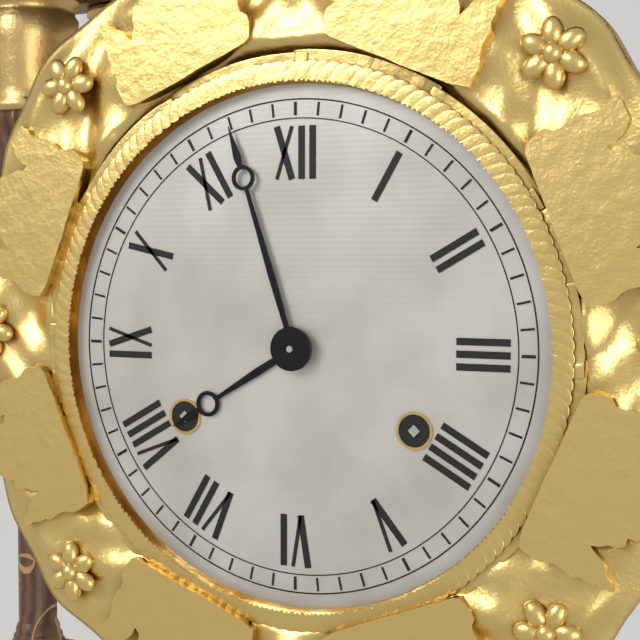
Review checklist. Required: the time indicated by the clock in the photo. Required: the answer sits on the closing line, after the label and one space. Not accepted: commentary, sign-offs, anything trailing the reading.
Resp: 7:57
